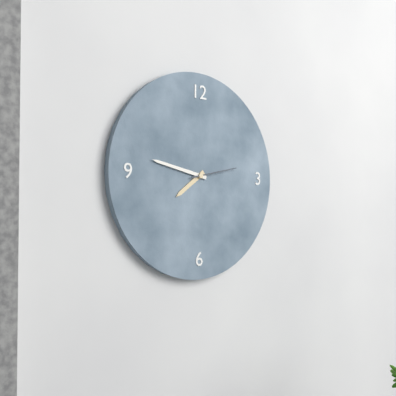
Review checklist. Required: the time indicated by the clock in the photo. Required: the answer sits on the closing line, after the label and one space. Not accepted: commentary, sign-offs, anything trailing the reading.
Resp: 7:47
